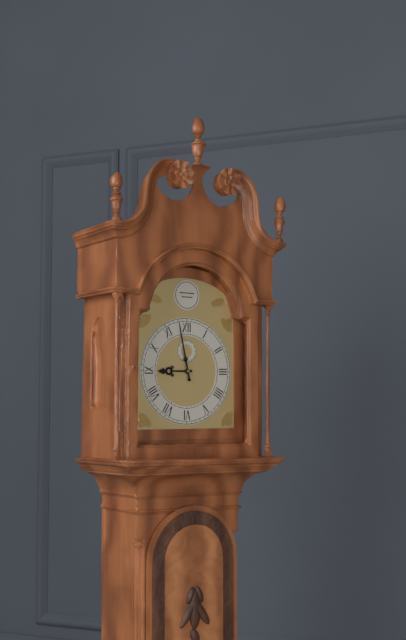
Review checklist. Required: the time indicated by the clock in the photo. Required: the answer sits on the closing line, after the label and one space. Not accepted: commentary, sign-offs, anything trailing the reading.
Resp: 8:58
